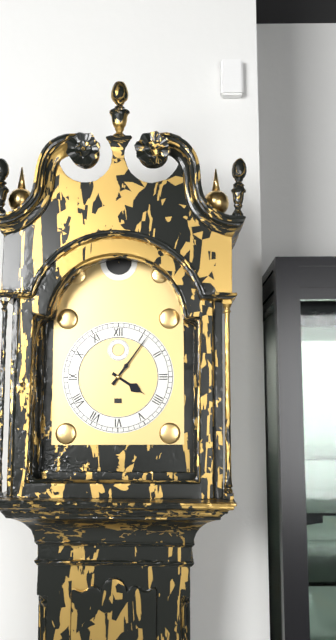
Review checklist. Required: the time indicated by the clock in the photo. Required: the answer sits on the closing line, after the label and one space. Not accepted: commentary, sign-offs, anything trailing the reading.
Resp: 4:06
